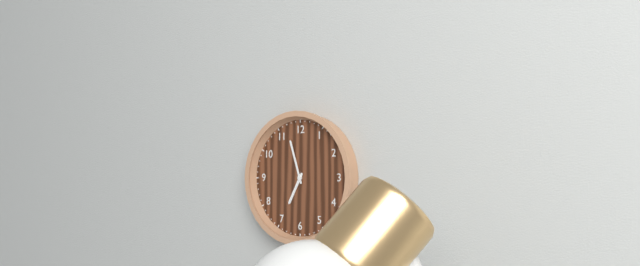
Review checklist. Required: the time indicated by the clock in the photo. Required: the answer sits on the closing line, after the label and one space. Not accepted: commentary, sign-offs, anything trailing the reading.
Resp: 6:57
